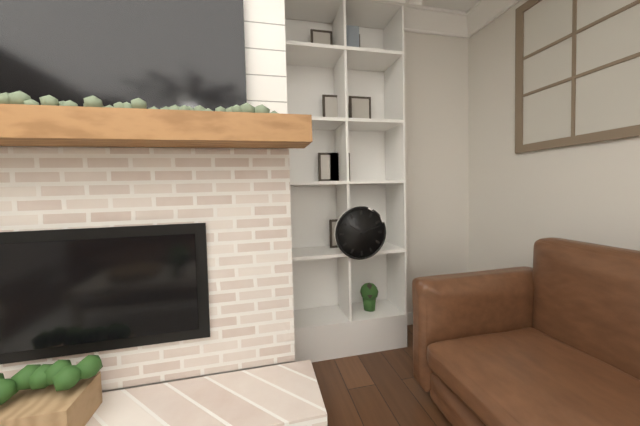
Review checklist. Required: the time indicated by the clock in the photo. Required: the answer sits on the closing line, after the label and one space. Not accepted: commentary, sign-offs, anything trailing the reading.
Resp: 10:12
